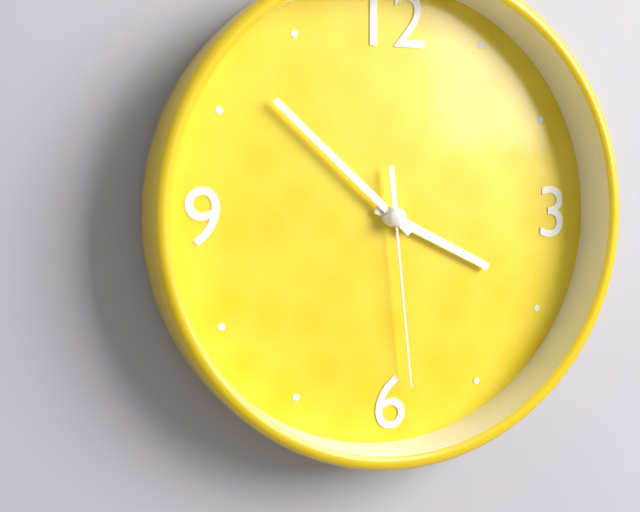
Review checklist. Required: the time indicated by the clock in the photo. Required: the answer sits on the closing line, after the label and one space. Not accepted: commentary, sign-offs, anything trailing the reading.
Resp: 3:52:29
